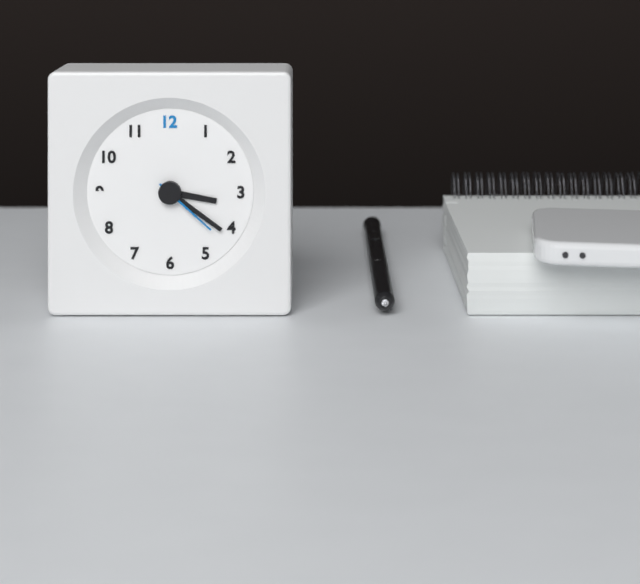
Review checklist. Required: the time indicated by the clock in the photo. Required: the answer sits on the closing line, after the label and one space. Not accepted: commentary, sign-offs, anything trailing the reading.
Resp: 3:21:22
